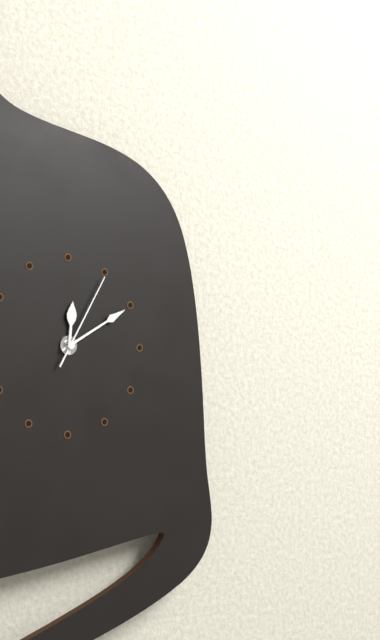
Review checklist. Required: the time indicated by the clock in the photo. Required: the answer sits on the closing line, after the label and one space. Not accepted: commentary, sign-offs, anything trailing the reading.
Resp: 12:10:05
